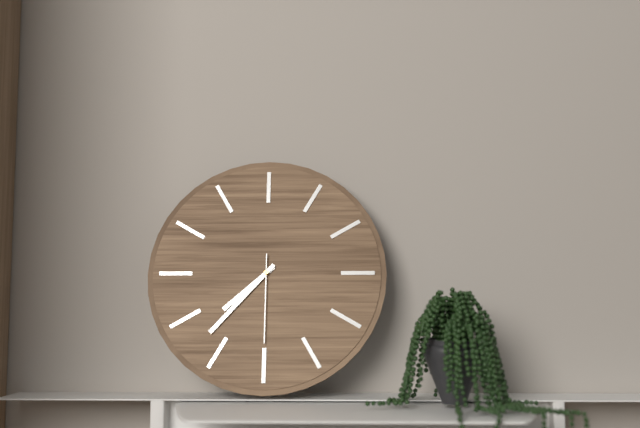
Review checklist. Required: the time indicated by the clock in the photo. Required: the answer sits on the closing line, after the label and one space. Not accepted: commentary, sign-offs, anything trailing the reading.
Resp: 7:37:30
